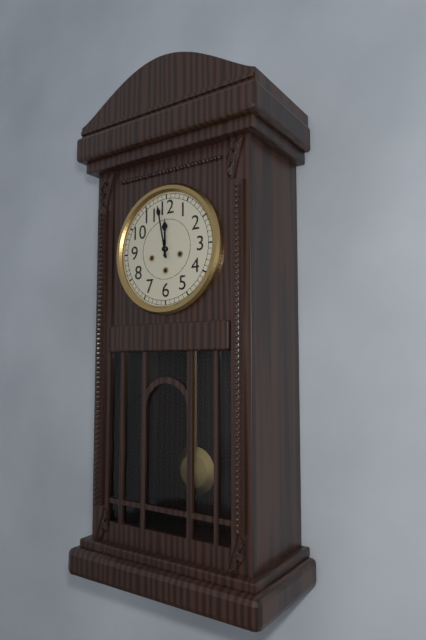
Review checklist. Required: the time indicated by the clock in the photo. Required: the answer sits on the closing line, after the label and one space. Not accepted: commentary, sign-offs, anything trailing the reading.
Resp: 11:58
